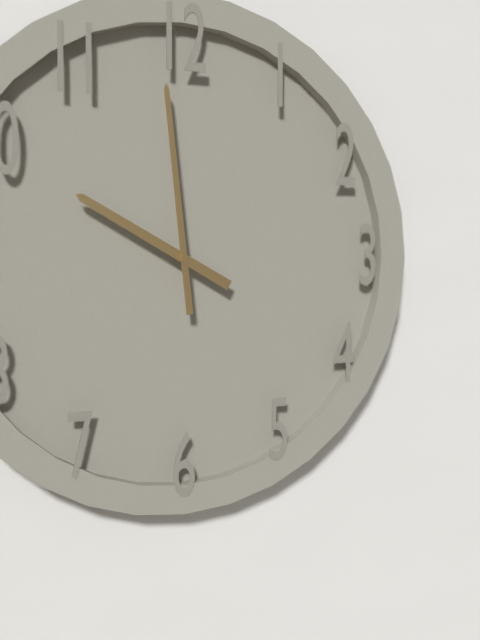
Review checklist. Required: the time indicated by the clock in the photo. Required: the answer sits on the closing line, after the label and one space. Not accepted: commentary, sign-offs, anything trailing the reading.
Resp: 9:59
